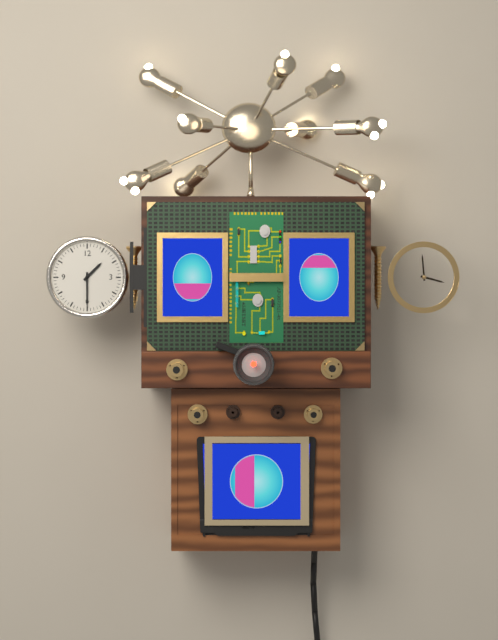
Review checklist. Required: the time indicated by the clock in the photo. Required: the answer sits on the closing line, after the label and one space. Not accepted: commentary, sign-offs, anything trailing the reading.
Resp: 1:30
